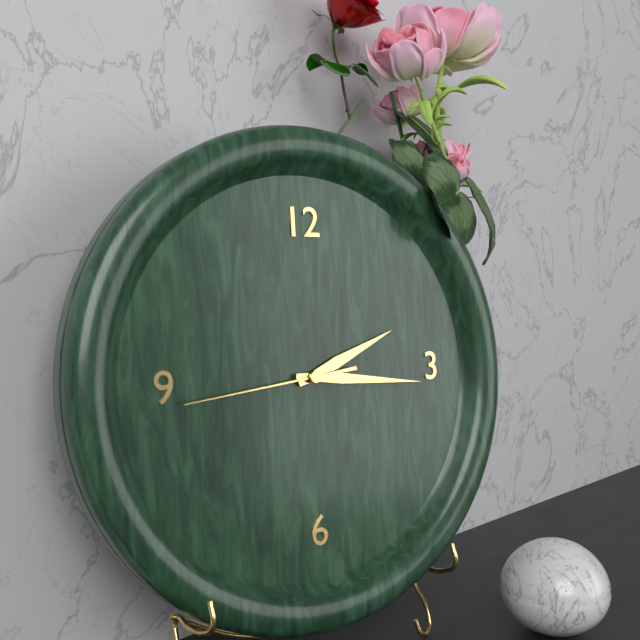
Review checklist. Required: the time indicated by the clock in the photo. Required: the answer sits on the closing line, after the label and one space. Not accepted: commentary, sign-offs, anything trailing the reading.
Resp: 2:16:44
